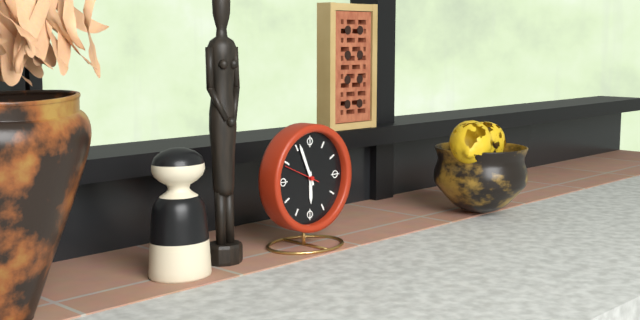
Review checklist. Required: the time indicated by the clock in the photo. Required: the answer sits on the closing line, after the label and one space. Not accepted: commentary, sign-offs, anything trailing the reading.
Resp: 5:56
